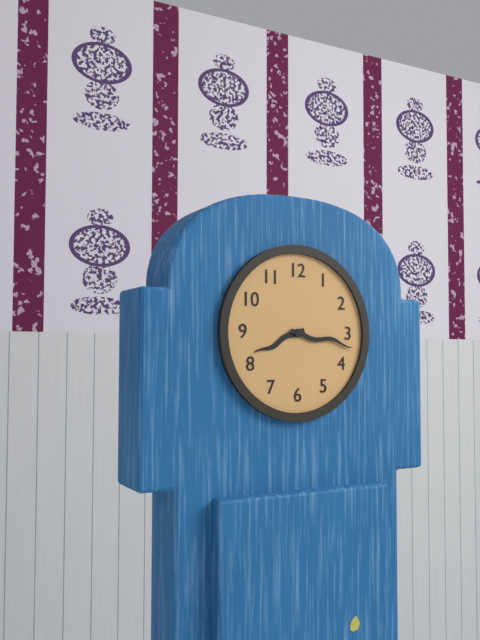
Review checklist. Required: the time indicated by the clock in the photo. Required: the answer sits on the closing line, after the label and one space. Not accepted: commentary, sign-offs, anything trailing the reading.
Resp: 8:17
